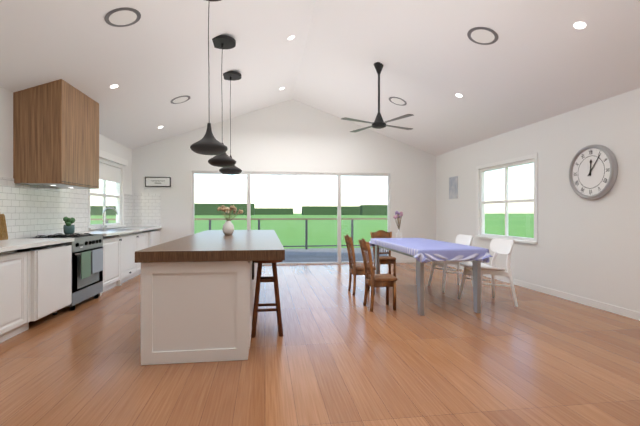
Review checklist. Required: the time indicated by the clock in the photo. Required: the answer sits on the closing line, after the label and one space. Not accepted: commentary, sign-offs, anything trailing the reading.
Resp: 12:06
